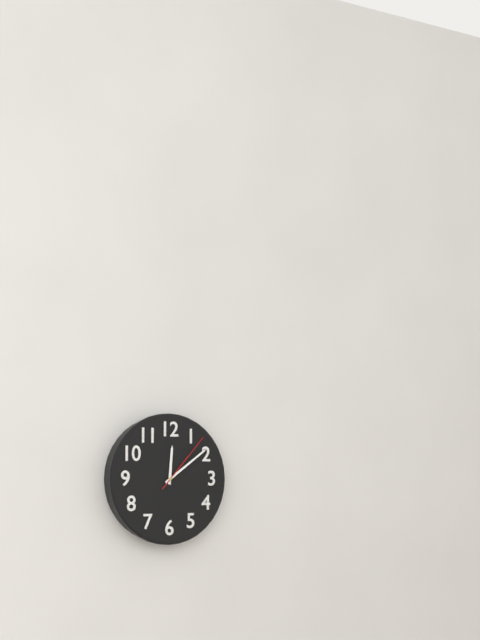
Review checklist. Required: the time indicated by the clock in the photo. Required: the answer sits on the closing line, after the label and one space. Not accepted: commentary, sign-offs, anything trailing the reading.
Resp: 12:09:07
